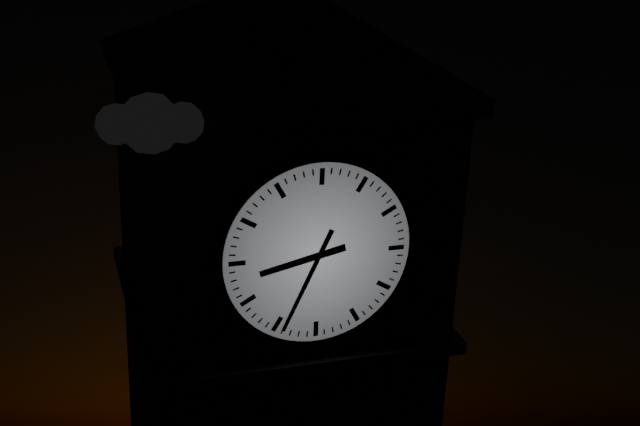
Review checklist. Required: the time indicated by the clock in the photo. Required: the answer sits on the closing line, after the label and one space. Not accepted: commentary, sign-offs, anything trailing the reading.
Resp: 8:34
